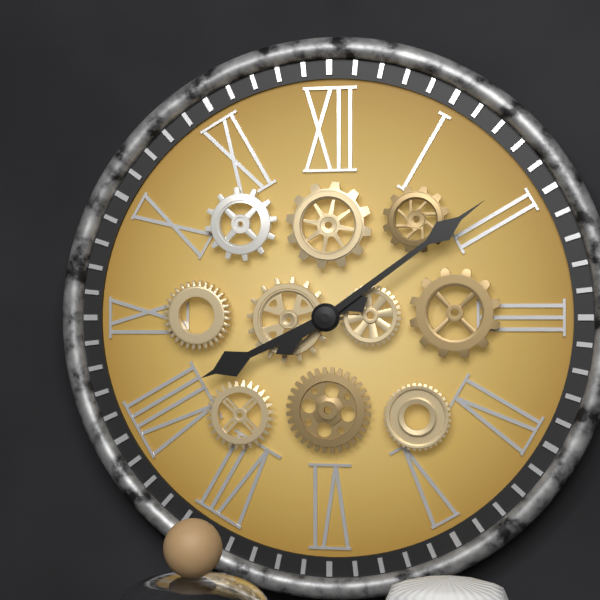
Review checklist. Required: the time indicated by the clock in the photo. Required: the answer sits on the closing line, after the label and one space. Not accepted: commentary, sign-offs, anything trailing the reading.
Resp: 8:09
